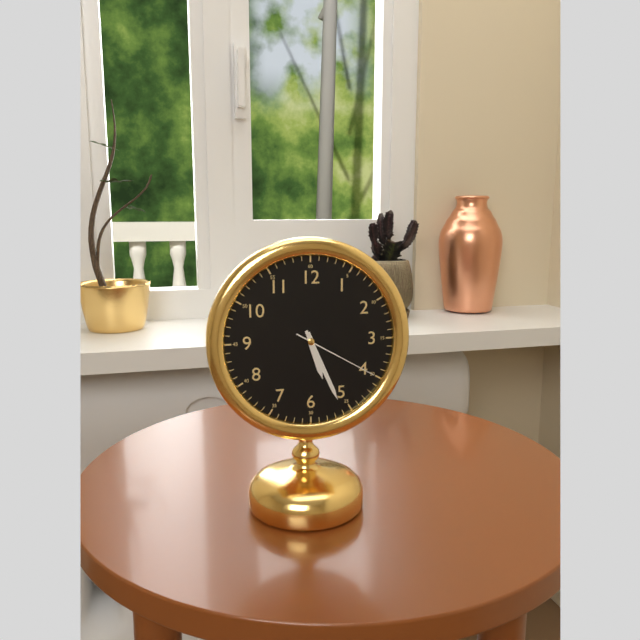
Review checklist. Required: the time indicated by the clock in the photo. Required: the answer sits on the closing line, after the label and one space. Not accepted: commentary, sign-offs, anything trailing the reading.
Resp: 5:26:20
